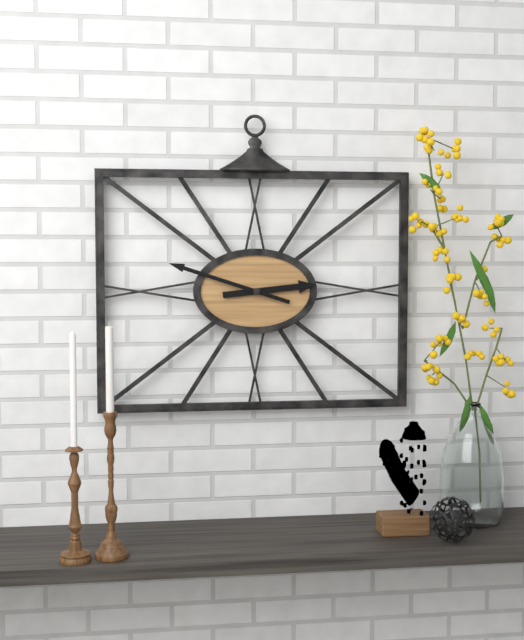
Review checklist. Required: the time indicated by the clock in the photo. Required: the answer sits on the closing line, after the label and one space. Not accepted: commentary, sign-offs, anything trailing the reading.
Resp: 2:48
